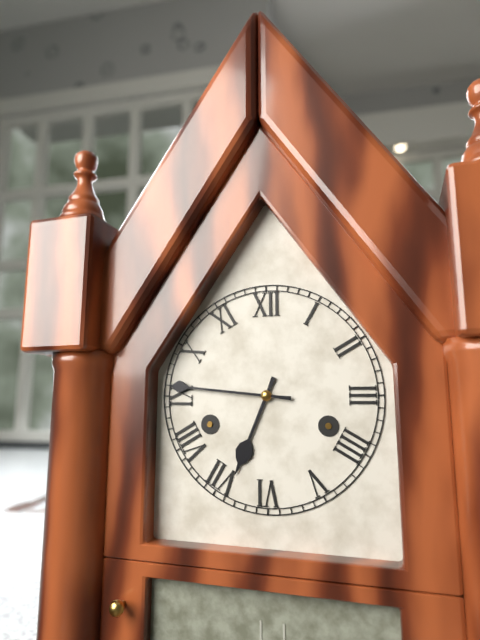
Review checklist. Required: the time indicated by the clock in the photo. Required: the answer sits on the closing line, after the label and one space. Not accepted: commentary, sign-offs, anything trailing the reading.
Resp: 6:46
